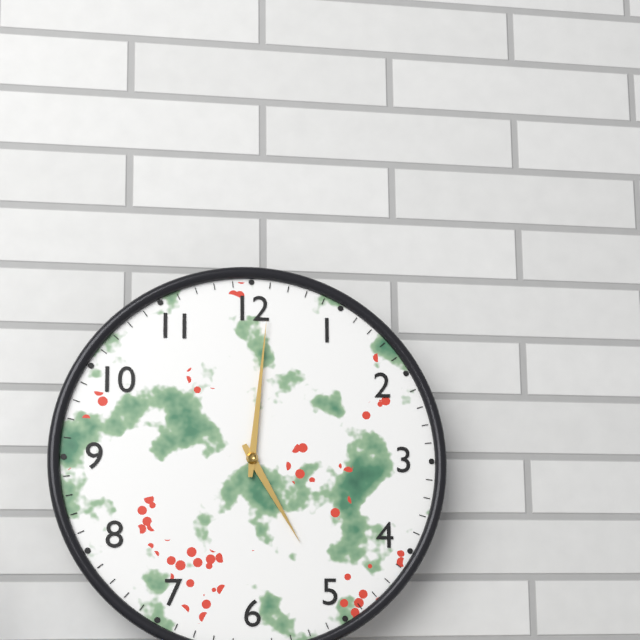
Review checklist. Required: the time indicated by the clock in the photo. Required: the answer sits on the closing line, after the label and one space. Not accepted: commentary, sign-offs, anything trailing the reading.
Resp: 5:01
